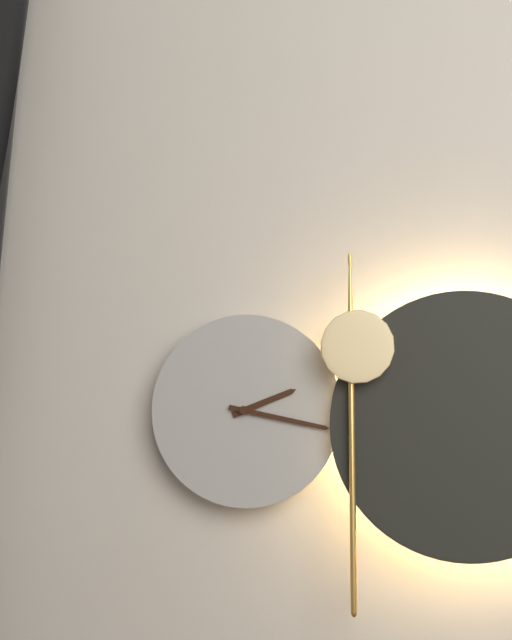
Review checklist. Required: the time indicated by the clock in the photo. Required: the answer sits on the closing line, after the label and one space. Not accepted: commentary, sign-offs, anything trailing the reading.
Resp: 2:17
